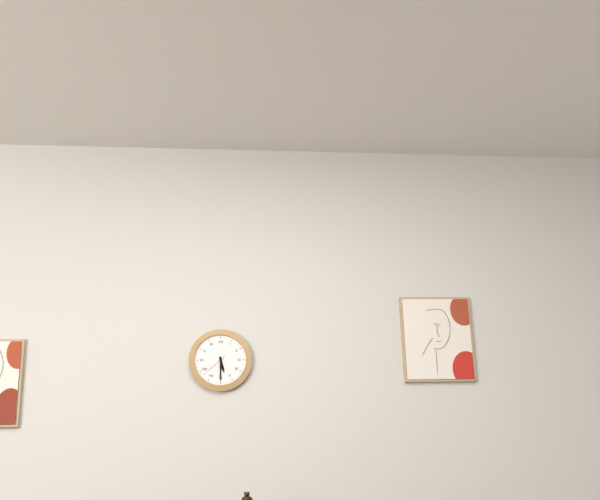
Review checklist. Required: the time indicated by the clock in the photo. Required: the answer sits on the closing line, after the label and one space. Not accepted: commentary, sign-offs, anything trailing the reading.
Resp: 5:30
